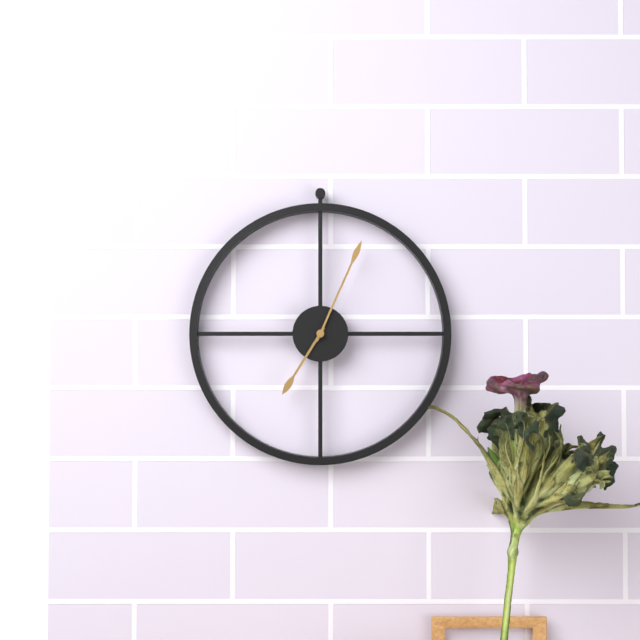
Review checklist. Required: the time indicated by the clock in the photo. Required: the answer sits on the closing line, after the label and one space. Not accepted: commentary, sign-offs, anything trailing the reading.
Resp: 7:04
